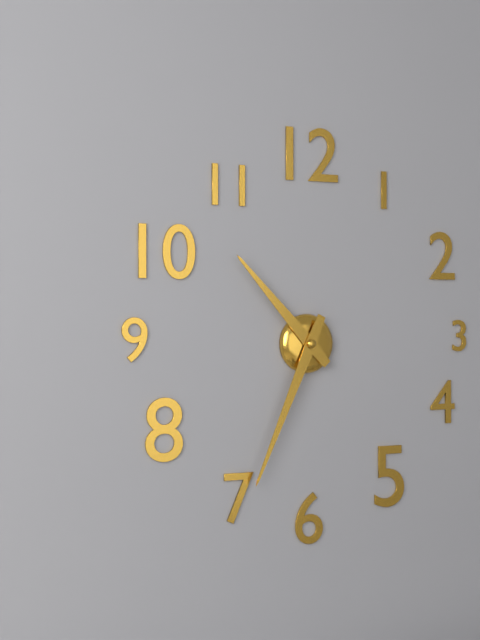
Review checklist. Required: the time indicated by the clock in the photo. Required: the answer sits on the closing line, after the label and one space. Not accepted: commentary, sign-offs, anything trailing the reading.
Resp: 10:34
